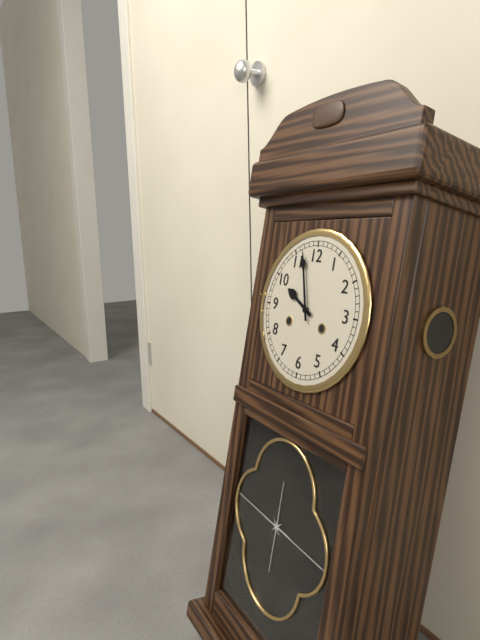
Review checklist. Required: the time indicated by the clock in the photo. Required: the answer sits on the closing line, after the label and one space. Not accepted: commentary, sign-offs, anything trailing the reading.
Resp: 9:57
